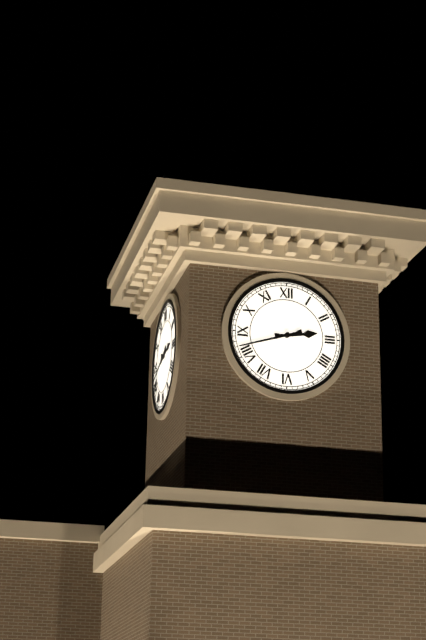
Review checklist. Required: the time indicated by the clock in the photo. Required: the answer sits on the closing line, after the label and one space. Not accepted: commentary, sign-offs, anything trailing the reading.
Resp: 2:42
